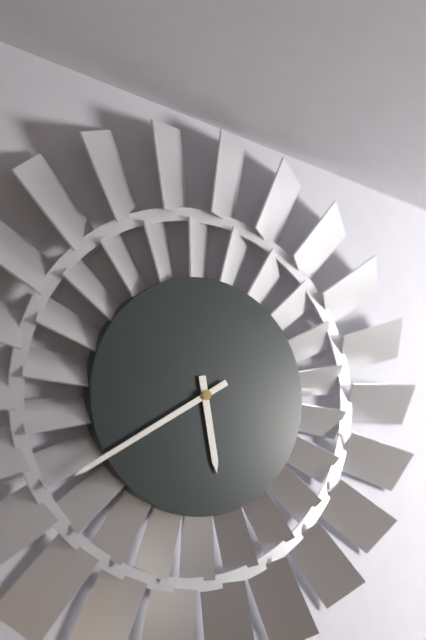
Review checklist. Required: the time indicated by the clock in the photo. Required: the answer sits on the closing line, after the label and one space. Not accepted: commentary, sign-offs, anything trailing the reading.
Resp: 5:40
